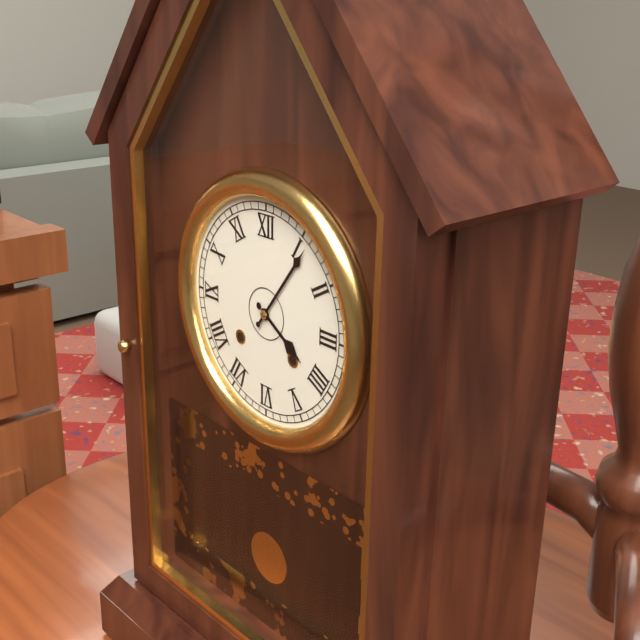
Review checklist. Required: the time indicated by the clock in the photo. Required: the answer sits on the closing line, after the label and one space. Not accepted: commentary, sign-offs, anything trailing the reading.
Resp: 4:06
